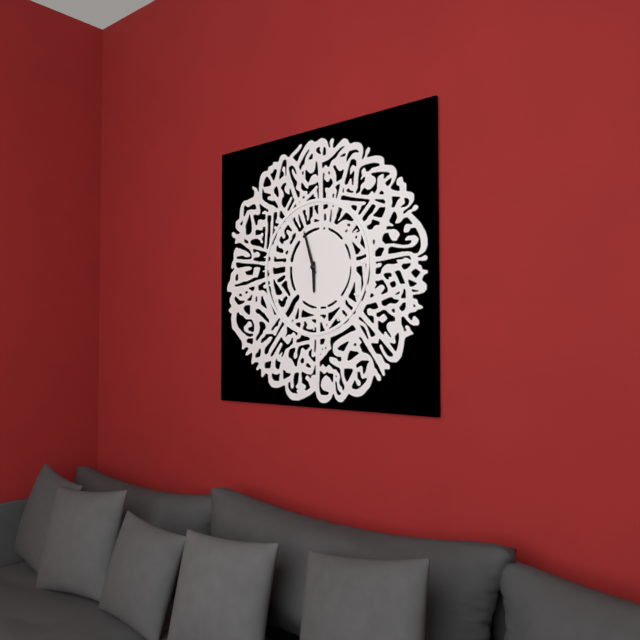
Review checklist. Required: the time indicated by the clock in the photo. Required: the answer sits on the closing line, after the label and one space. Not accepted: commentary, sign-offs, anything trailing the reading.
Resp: 5:57
